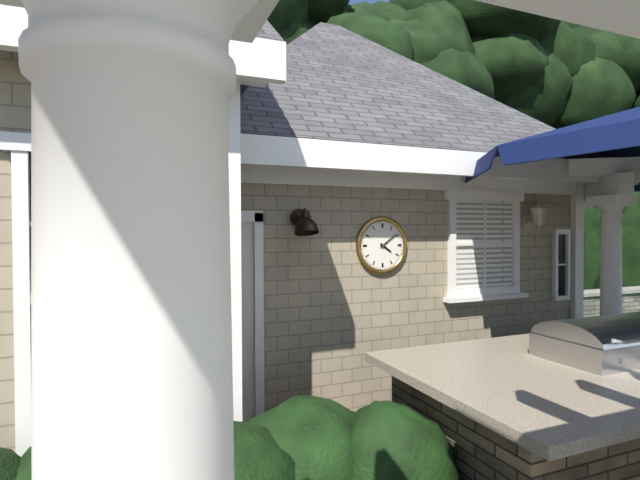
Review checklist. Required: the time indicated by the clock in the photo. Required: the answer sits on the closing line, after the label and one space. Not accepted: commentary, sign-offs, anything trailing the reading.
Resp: 4:09
